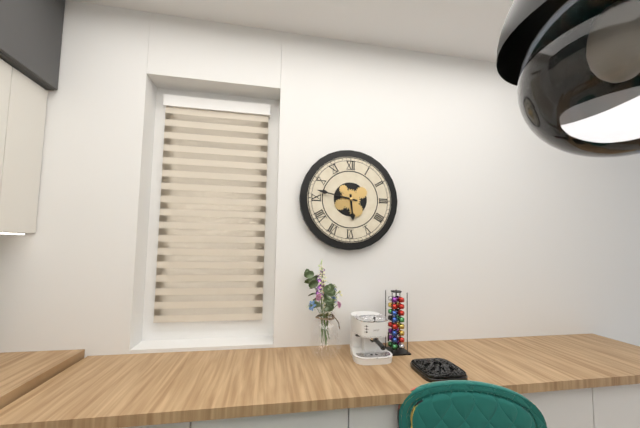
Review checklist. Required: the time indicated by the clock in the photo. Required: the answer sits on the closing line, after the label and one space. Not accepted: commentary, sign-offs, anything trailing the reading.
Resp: 5:47
